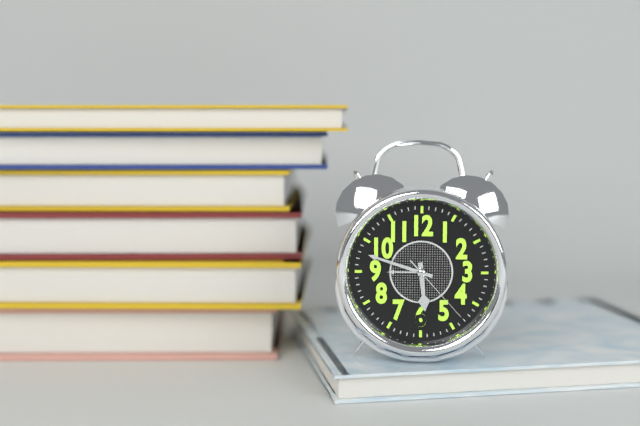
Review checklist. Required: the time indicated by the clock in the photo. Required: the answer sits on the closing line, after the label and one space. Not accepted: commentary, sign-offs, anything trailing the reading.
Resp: 5:48:23
